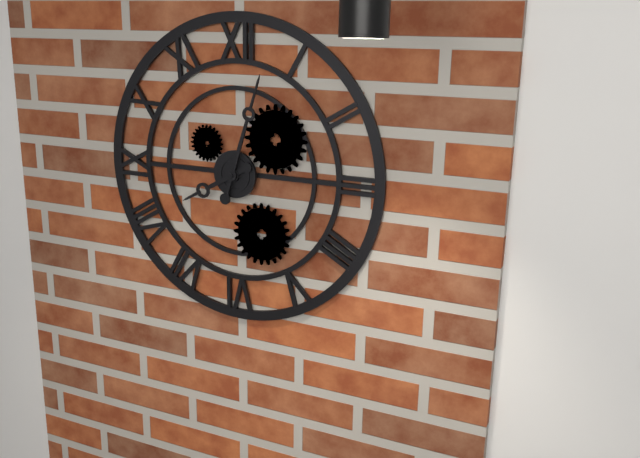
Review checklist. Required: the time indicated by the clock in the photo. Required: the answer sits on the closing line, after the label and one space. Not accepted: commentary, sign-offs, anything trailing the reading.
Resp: 8:03
